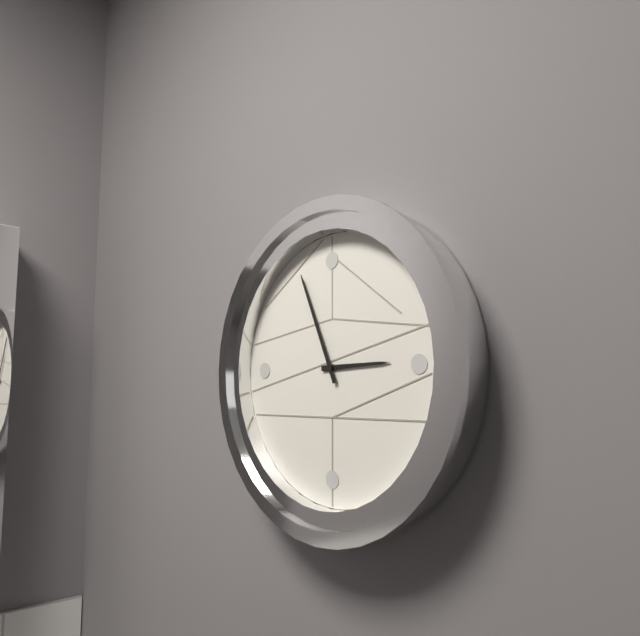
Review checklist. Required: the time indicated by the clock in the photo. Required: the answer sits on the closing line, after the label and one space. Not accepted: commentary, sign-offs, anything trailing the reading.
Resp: 2:56
